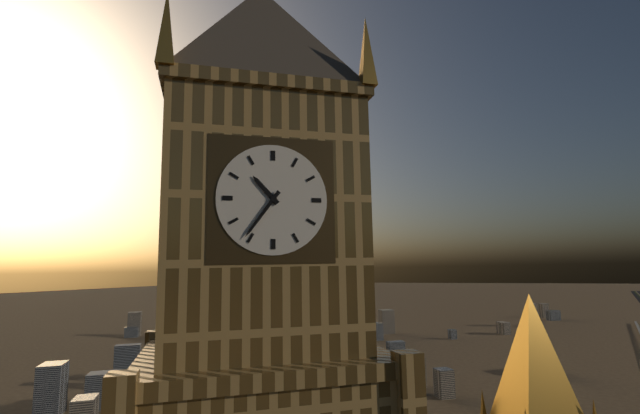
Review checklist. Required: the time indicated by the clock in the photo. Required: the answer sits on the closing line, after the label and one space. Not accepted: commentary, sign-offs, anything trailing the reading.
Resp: 10:36
